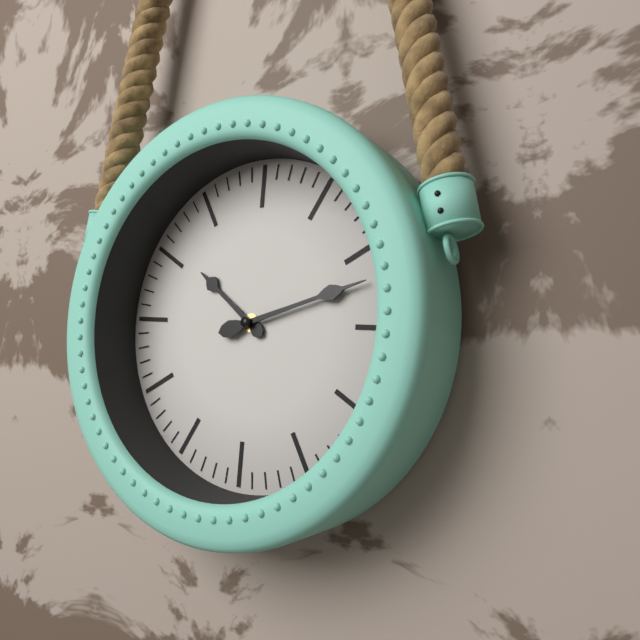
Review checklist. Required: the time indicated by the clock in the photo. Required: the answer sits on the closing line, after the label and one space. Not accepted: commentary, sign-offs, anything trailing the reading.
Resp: 10:12
